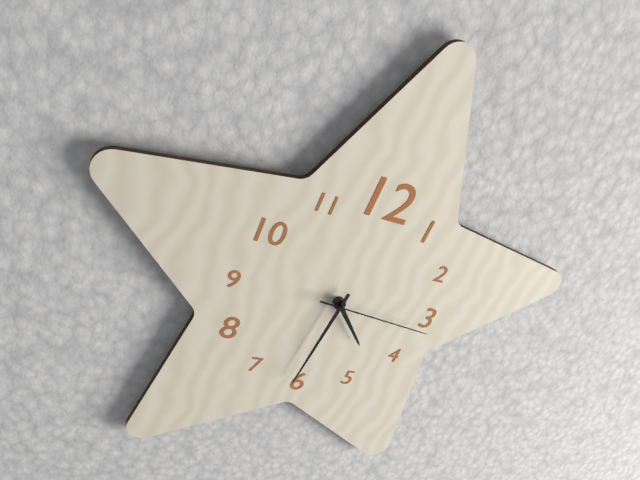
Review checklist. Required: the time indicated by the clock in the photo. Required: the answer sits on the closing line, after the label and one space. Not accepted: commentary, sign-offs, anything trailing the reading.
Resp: 4:31:16
